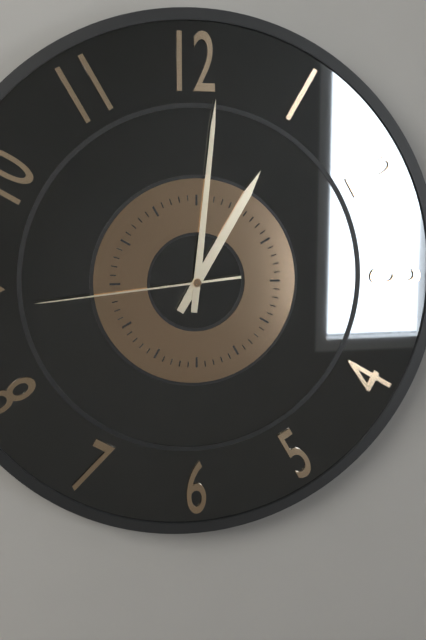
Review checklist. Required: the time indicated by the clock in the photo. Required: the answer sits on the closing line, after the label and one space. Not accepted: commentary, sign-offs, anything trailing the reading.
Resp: 1:01:44
